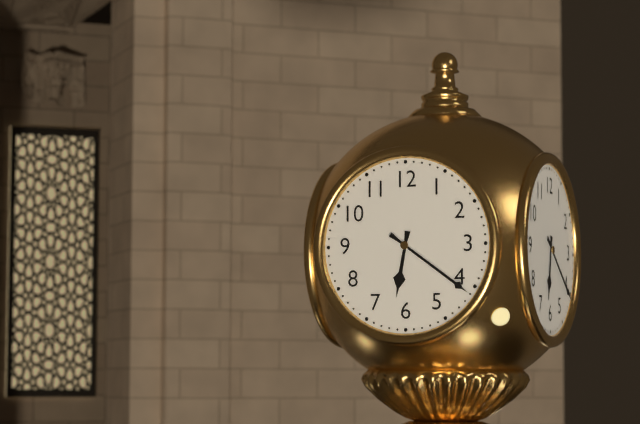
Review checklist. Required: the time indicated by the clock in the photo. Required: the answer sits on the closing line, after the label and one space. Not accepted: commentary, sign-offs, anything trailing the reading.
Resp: 6:21
